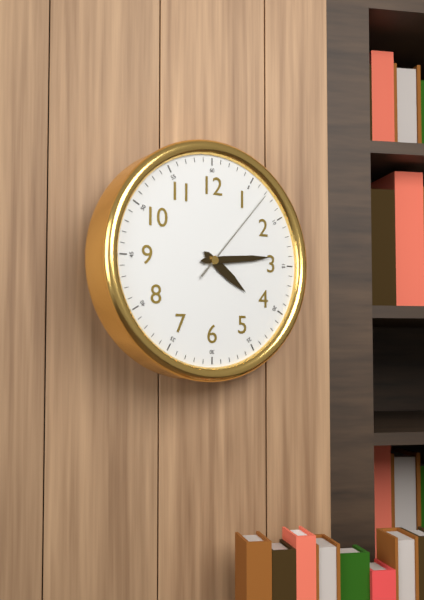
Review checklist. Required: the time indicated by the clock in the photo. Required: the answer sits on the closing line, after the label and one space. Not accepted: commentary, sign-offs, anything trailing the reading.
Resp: 4:14:07
